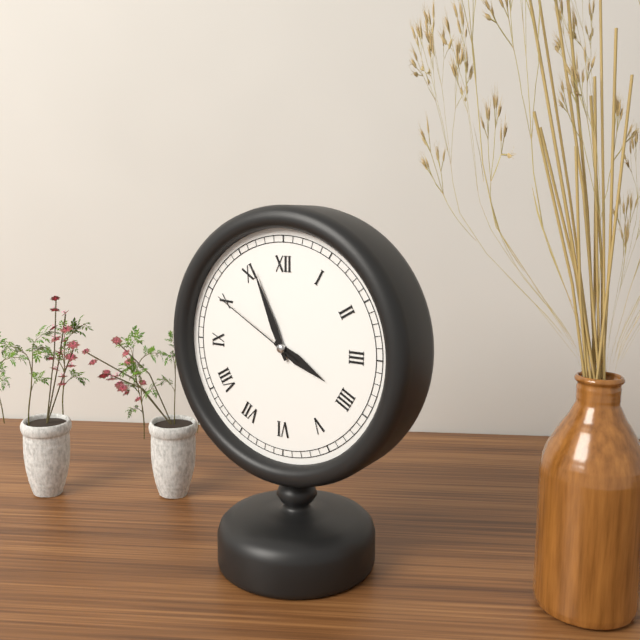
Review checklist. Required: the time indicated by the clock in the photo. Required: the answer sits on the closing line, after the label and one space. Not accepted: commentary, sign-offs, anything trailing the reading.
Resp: 3:56:50
